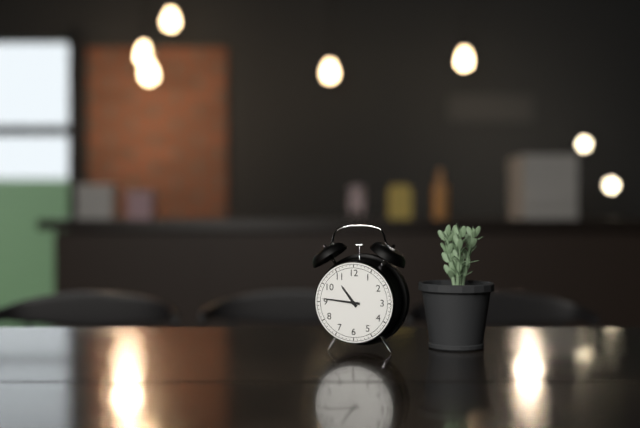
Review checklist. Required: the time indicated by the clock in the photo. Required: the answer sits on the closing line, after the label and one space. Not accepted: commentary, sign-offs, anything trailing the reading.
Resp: 10:46
